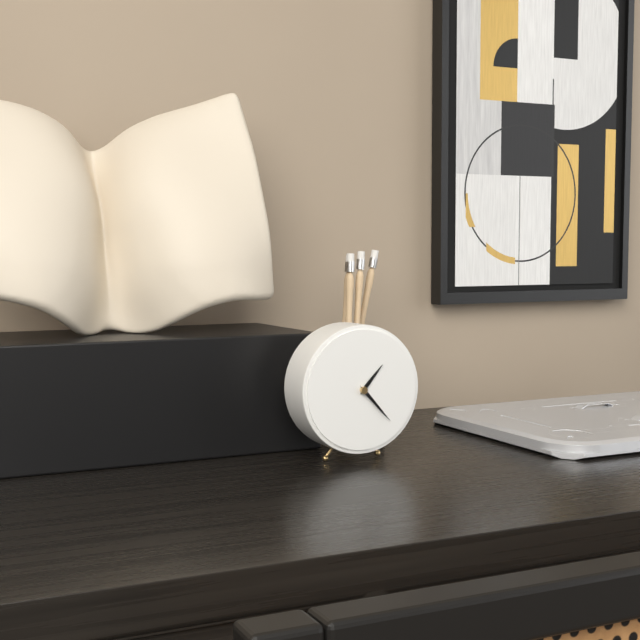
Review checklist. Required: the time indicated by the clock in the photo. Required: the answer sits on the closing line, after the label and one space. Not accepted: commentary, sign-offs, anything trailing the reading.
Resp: 1:23
